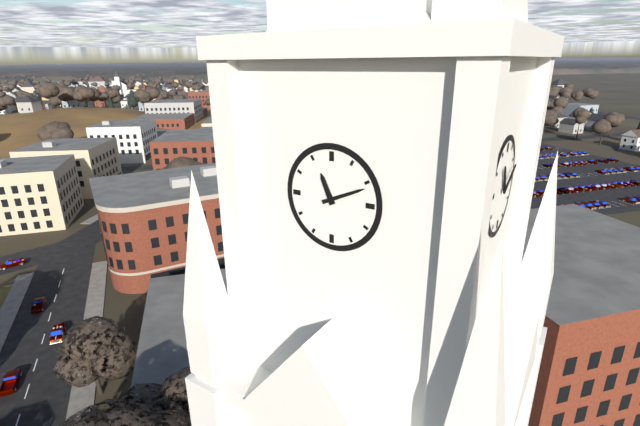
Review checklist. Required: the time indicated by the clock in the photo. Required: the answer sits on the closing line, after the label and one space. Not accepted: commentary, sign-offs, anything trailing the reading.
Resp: 11:11
